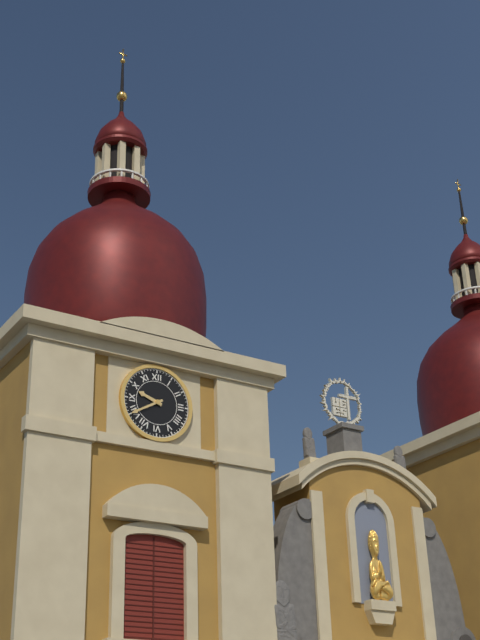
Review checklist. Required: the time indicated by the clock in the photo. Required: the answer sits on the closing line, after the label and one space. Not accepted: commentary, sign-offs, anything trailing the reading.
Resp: 9:40
